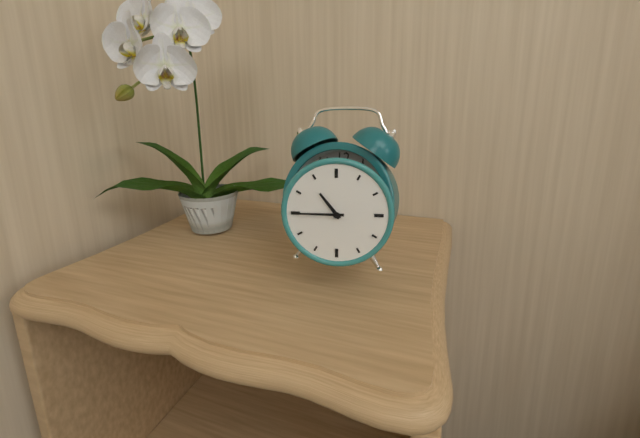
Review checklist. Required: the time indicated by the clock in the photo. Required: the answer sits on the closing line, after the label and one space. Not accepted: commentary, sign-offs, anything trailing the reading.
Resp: 10:45
